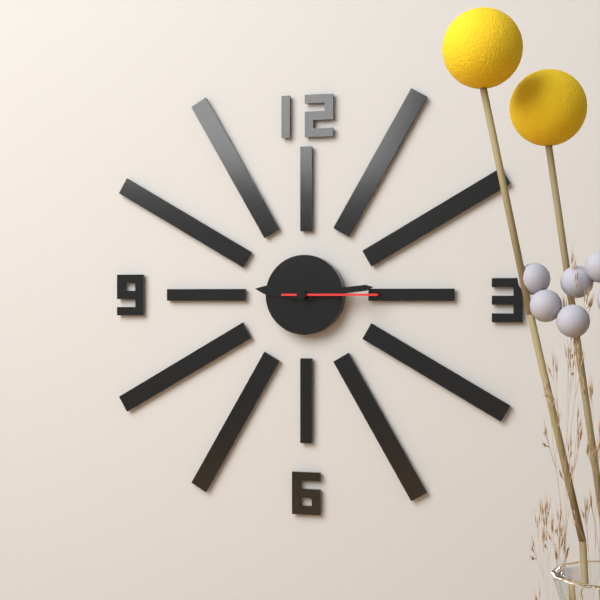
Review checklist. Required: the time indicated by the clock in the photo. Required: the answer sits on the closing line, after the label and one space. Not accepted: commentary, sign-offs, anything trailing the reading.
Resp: 9:14:15
